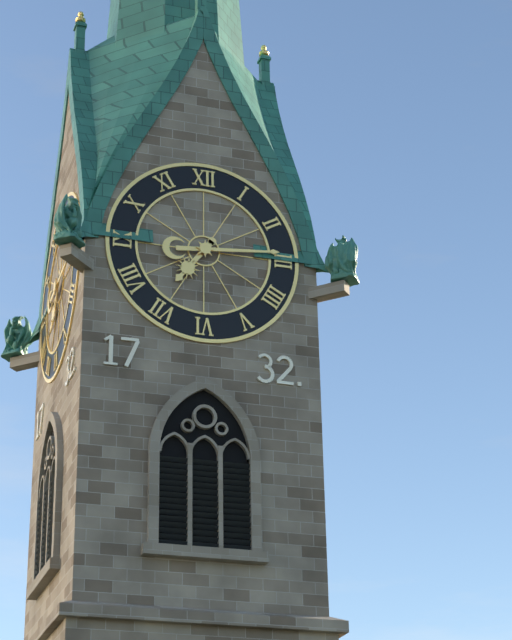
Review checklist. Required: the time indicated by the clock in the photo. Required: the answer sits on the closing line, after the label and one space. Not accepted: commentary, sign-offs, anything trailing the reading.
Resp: 7:14
